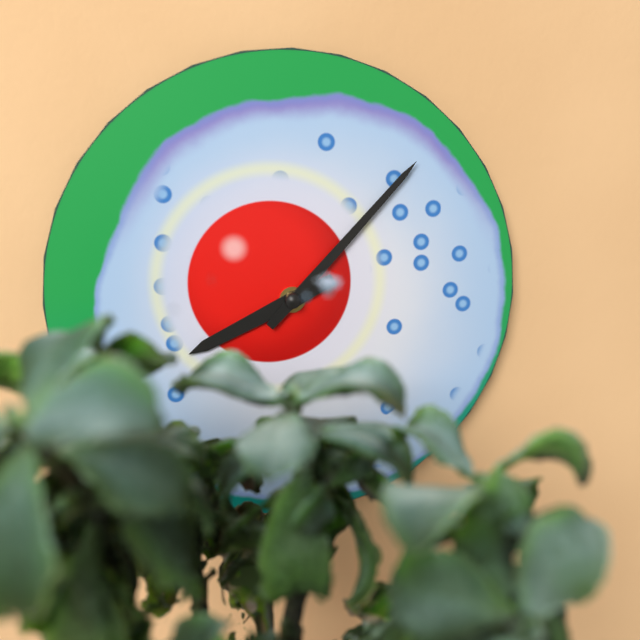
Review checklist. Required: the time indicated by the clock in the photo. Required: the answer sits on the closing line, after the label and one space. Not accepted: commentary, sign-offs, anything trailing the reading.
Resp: 8:07
